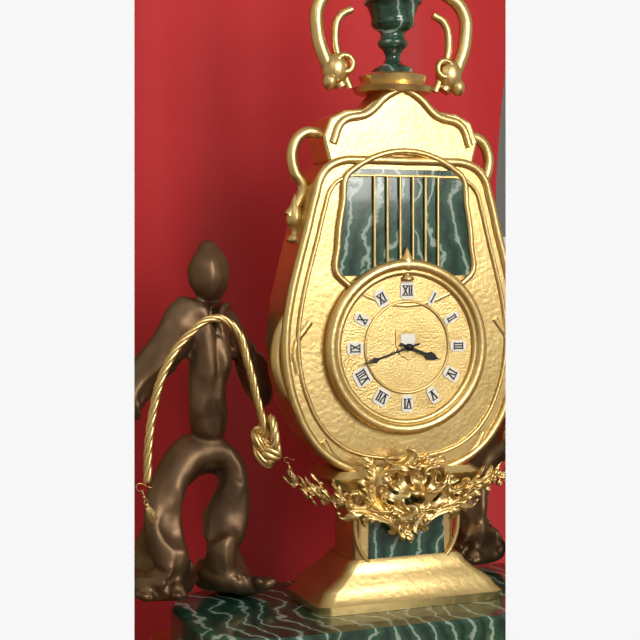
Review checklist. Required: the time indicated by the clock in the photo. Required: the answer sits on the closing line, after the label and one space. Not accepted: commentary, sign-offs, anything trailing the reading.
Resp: 3:42
